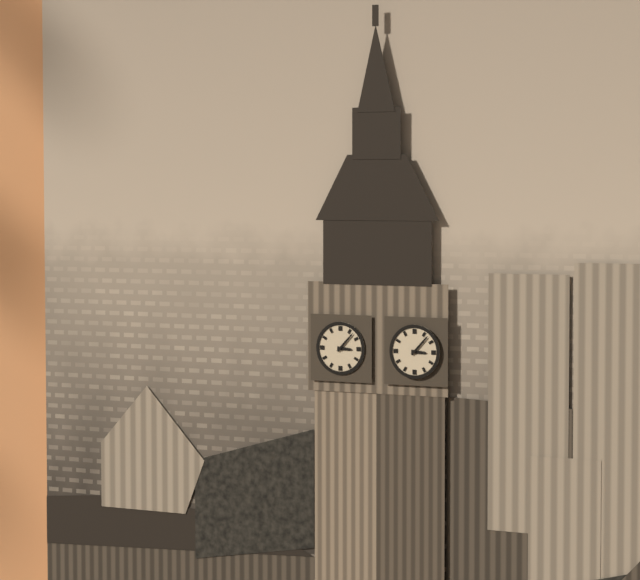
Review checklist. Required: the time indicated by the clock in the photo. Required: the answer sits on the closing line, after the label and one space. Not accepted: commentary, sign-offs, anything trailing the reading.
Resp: 3:07
